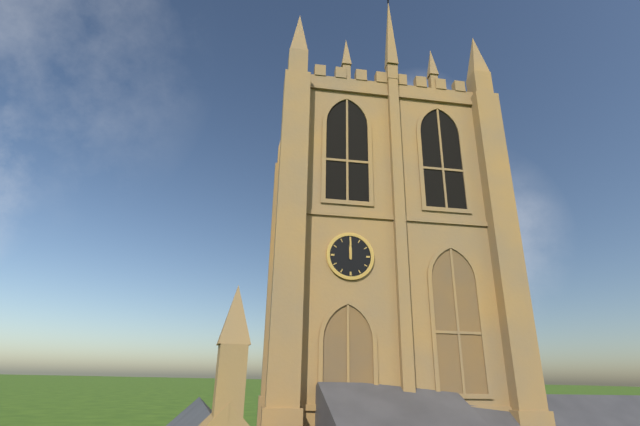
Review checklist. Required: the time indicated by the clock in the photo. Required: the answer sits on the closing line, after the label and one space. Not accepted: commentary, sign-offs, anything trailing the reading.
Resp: 12:00
